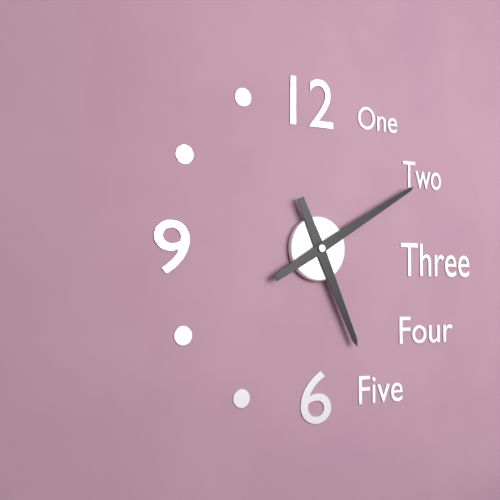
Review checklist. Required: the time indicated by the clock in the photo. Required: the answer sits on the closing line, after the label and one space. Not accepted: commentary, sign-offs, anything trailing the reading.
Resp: 5:10
